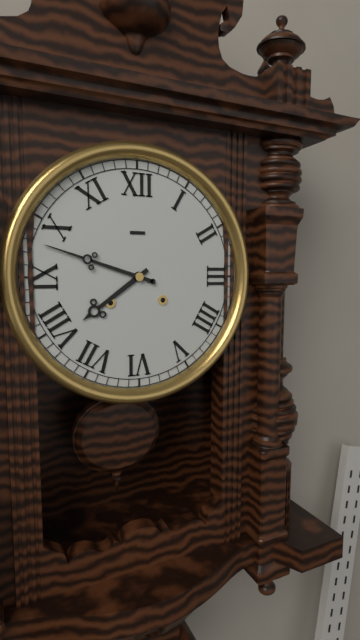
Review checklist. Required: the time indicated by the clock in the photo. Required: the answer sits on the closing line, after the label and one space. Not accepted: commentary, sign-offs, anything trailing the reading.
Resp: 7:48
